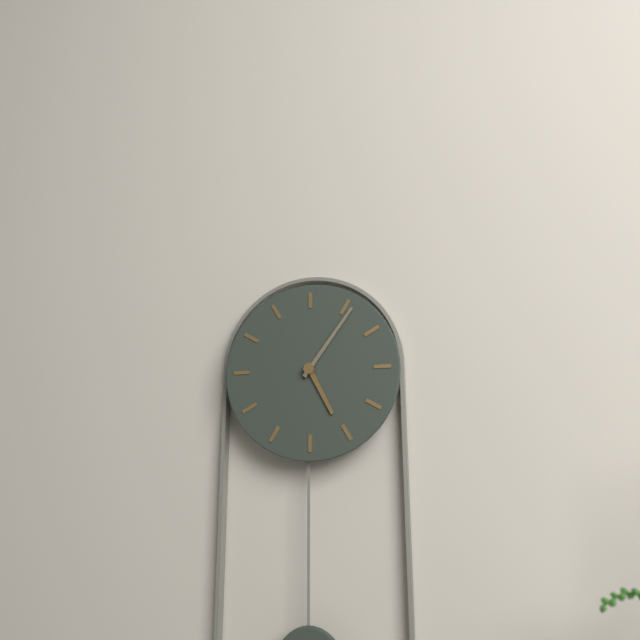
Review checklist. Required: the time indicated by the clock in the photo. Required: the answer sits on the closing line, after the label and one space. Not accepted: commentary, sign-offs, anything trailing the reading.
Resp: 5:06
